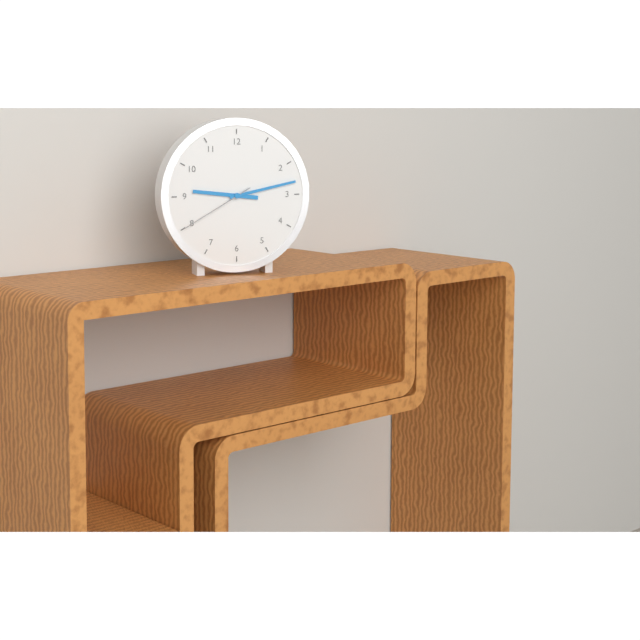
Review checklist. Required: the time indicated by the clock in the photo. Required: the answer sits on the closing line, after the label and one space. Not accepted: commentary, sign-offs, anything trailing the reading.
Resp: 9:13:40
